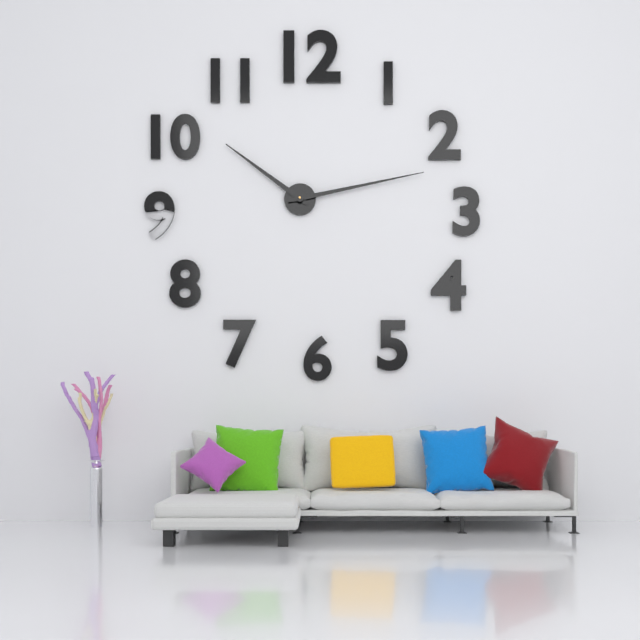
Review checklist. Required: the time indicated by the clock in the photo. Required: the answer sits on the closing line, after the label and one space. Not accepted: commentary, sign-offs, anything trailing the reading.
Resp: 10:13
